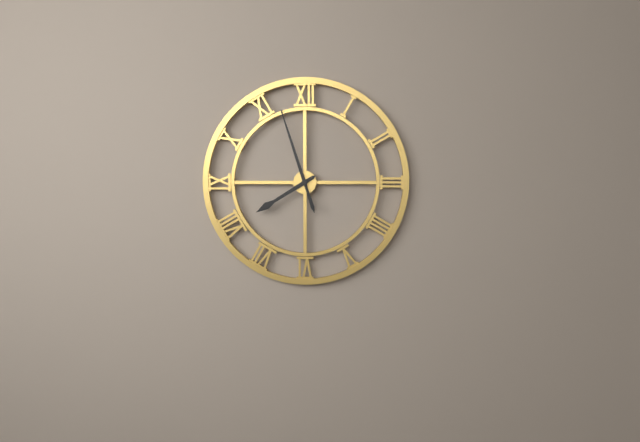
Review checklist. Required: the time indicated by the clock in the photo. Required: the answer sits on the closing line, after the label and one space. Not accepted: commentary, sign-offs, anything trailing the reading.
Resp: 7:57
